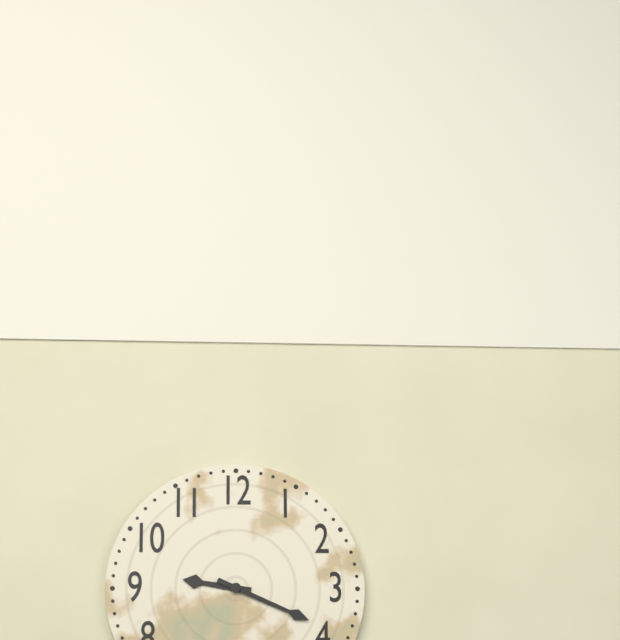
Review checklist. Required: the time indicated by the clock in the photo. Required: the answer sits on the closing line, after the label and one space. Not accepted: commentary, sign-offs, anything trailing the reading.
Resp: 9:19
